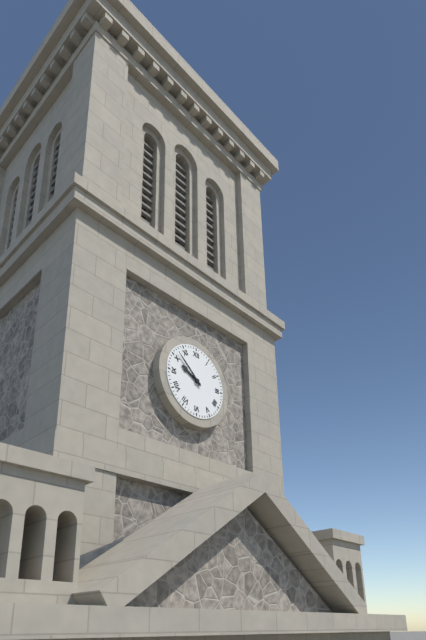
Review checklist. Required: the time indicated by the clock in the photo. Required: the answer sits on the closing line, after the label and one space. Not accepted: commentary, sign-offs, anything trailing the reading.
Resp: 9:52
